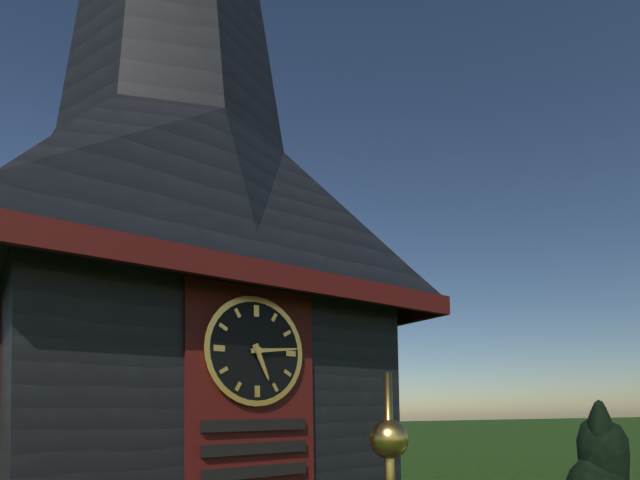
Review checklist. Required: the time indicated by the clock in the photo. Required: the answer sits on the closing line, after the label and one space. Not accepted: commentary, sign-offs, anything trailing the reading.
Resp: 5:14
